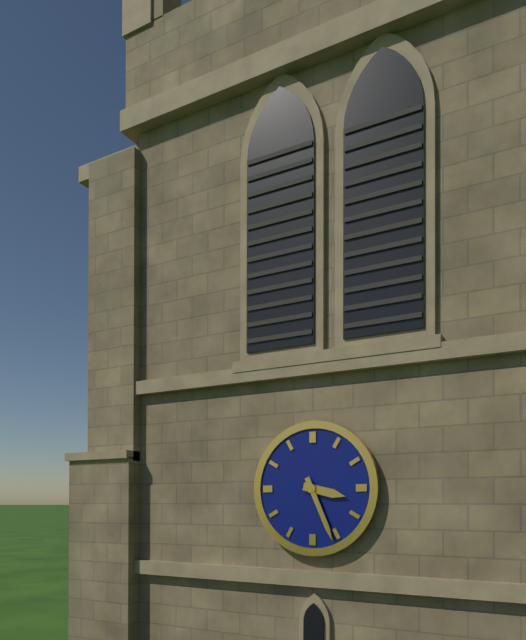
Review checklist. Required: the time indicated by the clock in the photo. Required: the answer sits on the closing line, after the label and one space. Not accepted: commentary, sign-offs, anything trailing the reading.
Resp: 3:26
